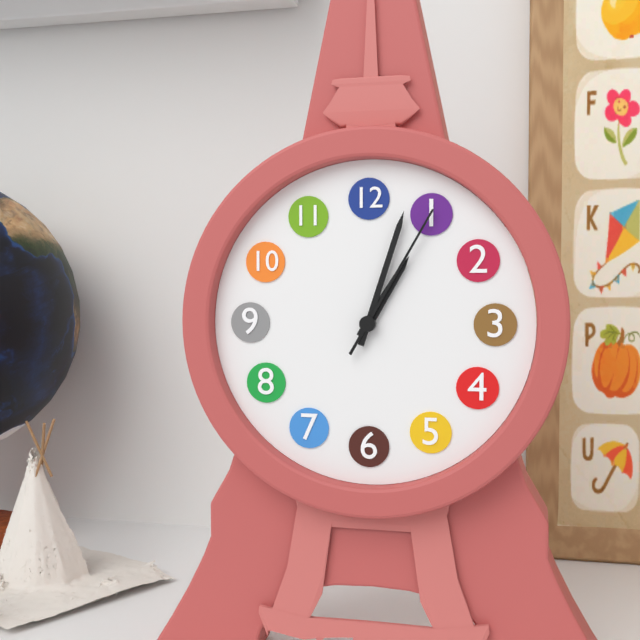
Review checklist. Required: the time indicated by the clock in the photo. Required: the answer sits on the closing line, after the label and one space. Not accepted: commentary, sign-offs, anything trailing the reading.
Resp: 1:03:05
